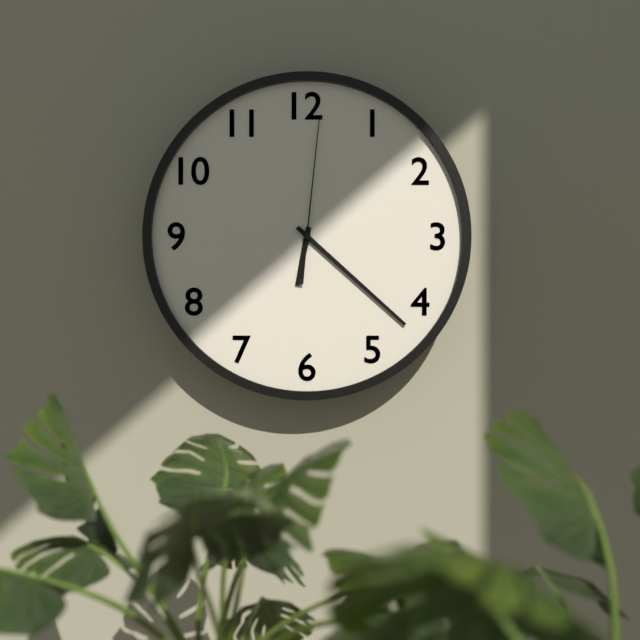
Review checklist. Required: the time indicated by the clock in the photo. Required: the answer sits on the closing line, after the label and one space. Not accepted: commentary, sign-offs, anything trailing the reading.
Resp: 6:22:01
